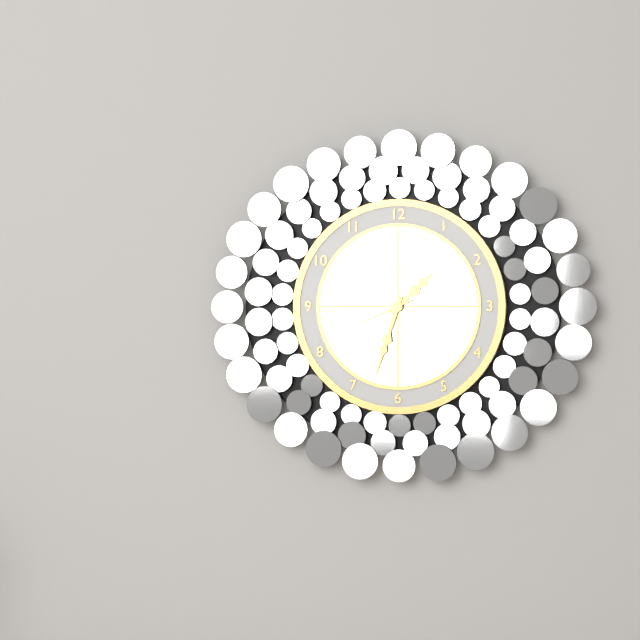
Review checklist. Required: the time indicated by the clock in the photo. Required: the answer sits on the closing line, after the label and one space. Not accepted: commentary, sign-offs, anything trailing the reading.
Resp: 1:33:41
